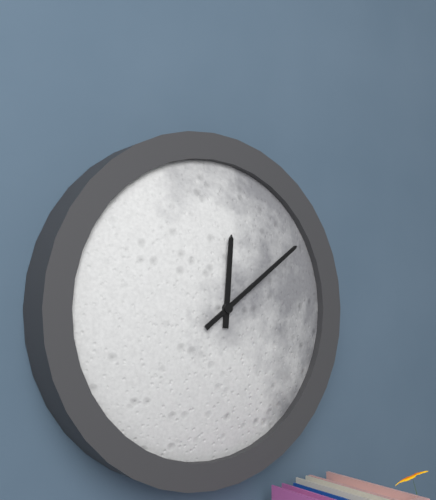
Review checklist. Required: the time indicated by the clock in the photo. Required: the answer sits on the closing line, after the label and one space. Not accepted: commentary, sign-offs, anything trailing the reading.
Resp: 12:09
